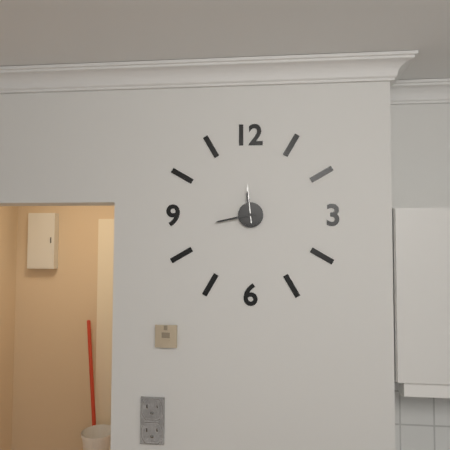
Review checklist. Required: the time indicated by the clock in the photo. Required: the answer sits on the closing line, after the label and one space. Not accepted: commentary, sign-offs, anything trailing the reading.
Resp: 11:43
